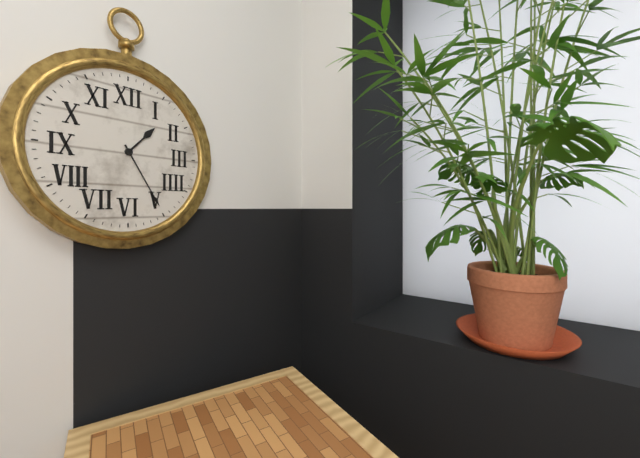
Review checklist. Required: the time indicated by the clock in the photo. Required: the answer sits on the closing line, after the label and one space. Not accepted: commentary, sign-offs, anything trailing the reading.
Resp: 1:25
